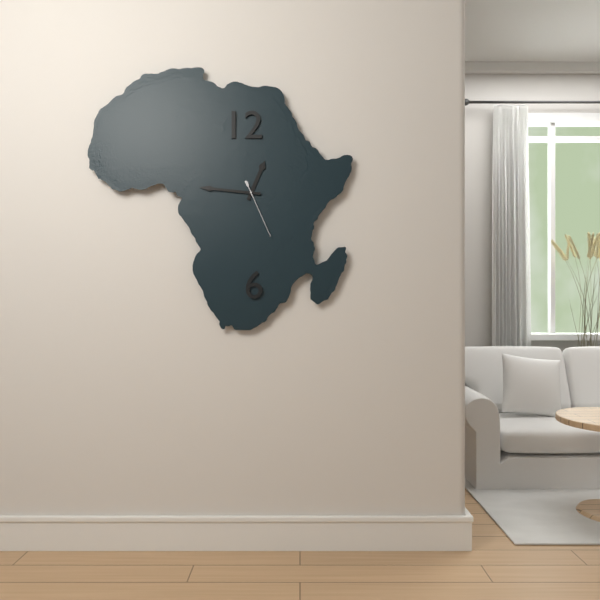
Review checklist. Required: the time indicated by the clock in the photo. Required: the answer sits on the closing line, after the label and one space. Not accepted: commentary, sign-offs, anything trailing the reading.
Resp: 12:46:26
